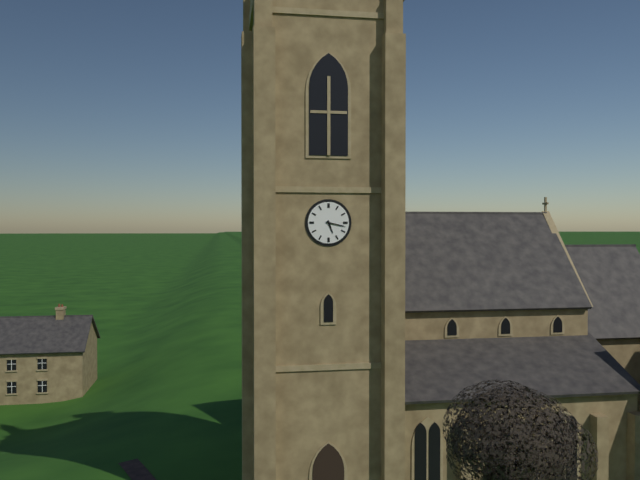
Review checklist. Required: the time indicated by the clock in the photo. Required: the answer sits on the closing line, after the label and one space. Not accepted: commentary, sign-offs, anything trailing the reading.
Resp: 5:17
